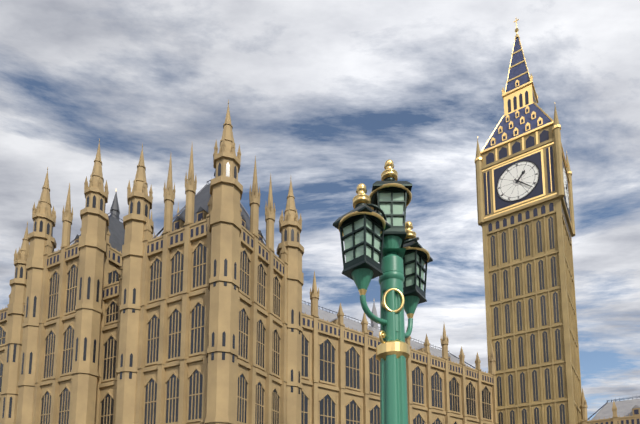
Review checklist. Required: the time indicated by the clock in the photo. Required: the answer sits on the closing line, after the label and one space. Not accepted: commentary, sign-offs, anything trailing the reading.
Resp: 1:22
